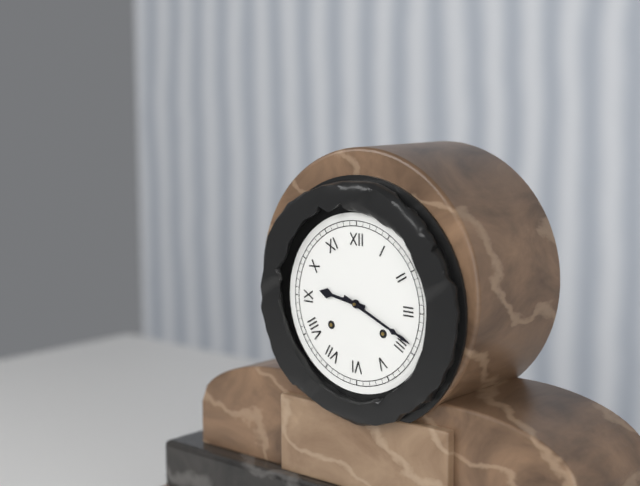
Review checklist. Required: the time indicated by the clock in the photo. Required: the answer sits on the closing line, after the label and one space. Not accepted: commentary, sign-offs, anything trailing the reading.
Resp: 9:19
